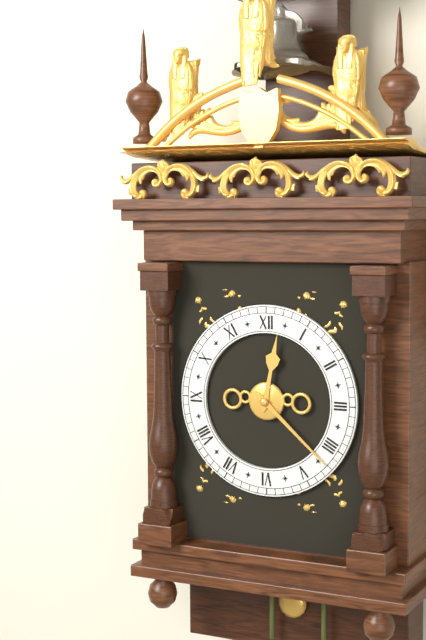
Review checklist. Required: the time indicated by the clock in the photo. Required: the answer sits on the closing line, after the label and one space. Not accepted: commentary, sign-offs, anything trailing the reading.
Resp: 12:22
